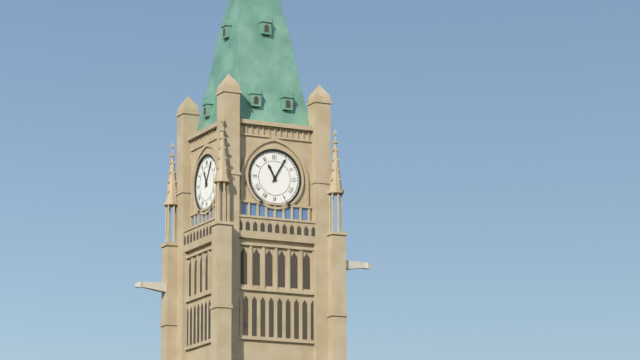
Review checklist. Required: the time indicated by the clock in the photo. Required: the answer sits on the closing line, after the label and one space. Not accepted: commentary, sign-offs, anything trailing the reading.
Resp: 11:05
